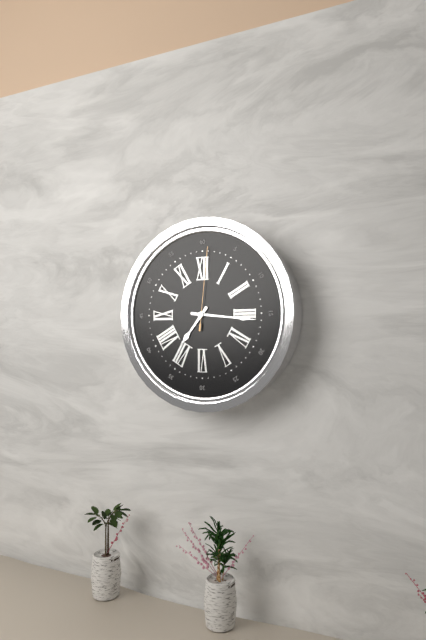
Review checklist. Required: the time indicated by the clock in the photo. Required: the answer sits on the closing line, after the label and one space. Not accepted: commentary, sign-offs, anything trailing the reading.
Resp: 7:16:01
